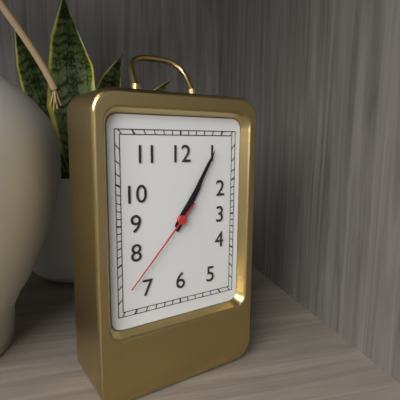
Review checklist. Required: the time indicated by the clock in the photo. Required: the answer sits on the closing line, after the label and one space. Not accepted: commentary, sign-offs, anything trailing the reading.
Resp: 1:05:37
